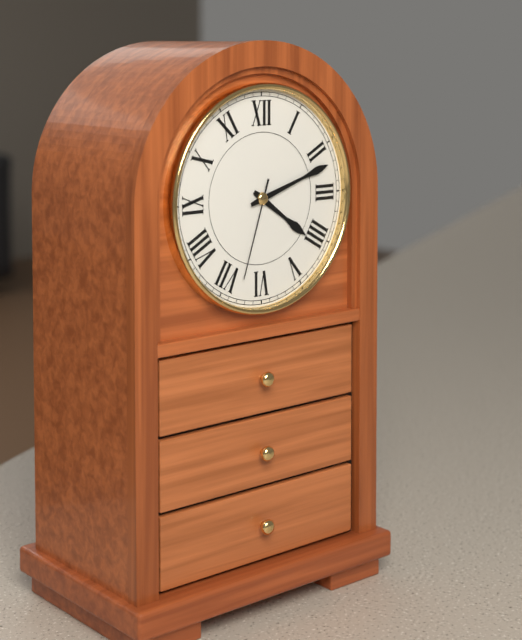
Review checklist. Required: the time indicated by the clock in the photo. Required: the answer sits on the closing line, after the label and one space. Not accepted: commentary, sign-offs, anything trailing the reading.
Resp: 4:12:33
